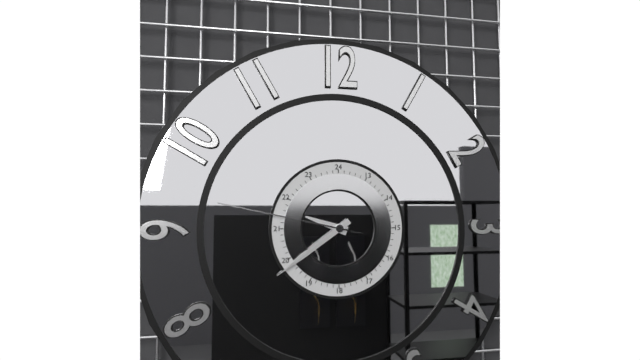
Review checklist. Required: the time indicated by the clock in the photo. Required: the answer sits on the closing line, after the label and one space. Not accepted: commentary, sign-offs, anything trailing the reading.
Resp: 9:39:47
